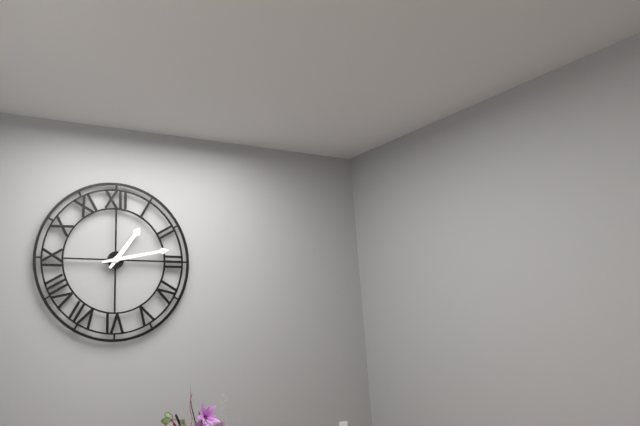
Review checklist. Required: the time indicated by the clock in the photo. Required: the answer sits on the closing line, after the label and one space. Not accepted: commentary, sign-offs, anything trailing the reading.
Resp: 1:13
